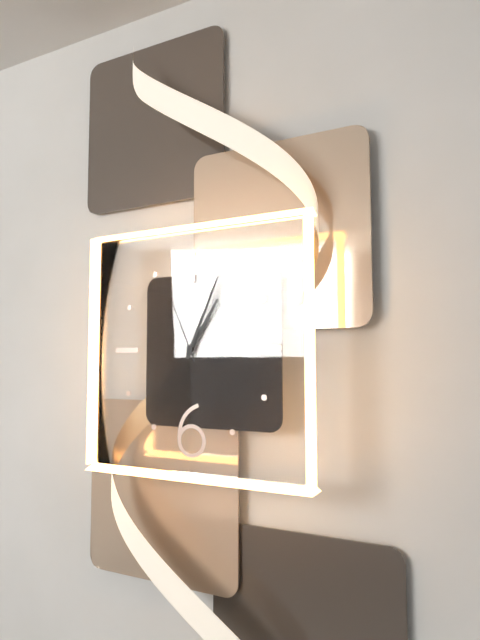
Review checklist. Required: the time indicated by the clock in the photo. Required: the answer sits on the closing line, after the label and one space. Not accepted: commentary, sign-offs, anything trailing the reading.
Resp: 1:04:56
